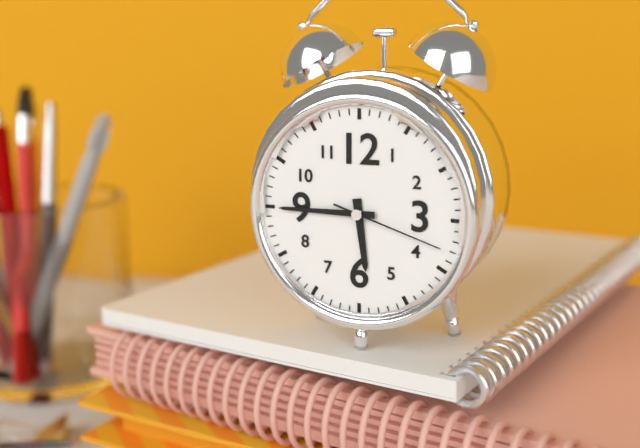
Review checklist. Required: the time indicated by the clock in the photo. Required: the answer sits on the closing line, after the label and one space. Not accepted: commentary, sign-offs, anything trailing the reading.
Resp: 5:45:18
